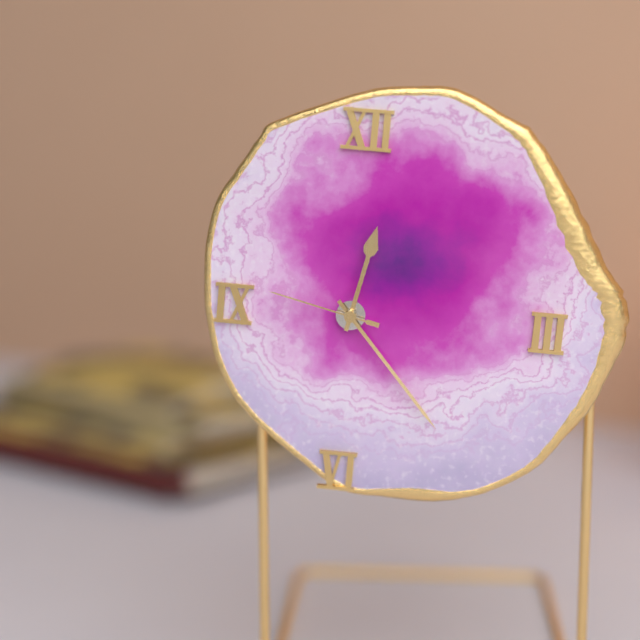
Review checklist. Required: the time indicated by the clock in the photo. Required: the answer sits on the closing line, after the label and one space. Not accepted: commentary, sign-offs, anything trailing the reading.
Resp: 12:23:47
